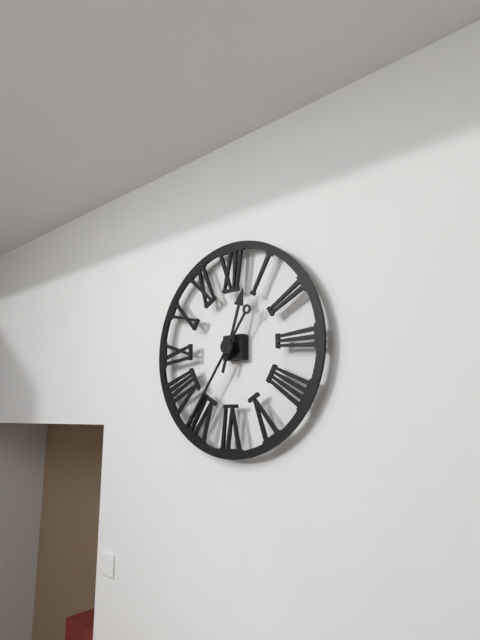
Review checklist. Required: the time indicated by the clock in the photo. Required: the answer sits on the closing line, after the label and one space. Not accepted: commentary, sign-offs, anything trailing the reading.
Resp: 12:36
